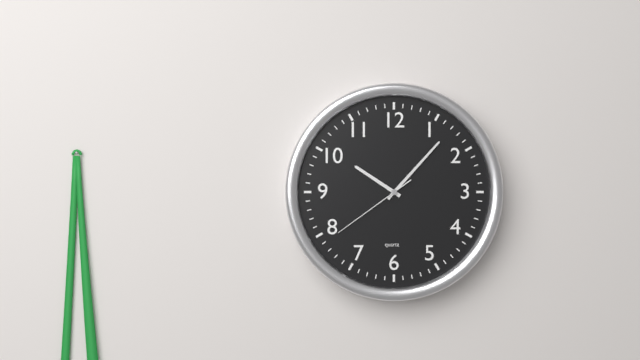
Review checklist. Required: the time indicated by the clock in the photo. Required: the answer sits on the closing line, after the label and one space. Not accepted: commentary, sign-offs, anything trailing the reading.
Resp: 10:07:39
